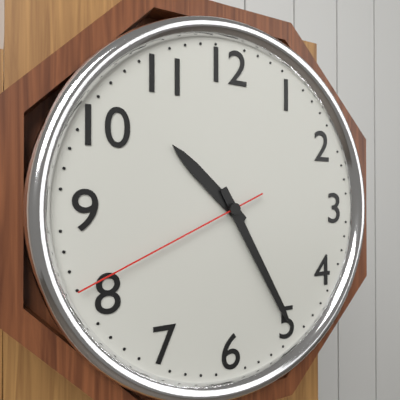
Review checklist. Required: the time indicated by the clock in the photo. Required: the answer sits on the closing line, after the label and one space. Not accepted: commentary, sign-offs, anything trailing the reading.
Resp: 10:25:41
